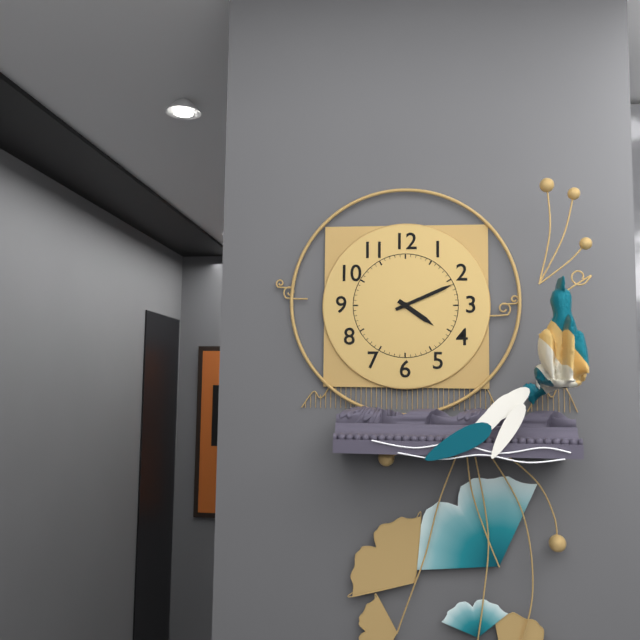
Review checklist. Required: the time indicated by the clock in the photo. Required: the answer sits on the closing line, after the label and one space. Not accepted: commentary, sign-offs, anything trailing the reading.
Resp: 4:11
